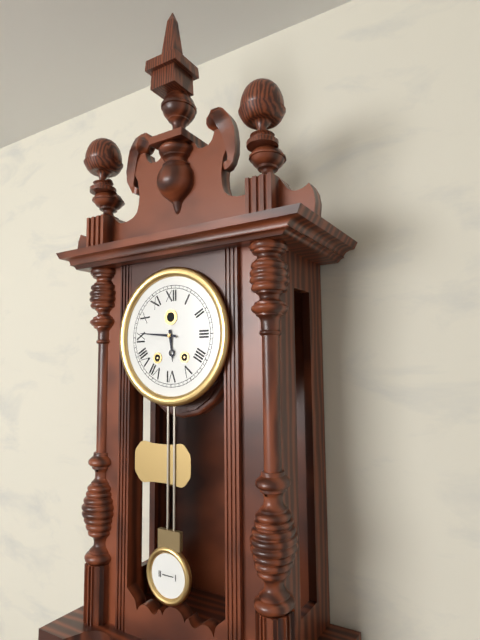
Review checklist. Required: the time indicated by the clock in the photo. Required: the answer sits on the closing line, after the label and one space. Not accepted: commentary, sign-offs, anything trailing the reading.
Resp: 5:46
